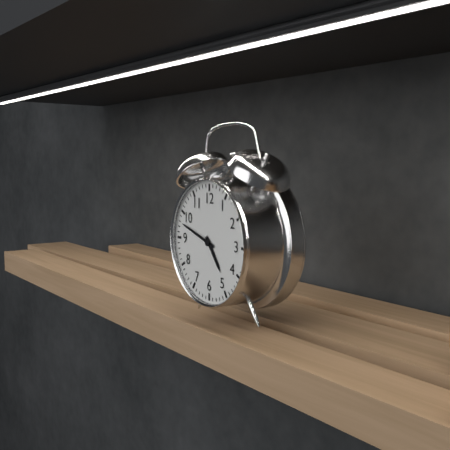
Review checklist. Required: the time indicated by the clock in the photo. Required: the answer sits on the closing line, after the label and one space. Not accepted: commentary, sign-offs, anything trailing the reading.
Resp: 4:48
